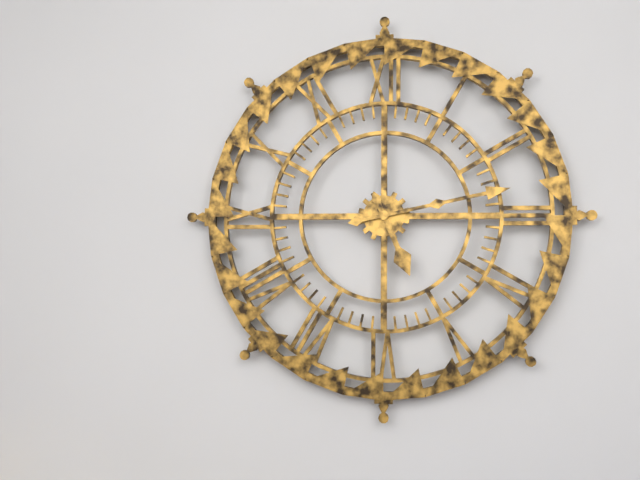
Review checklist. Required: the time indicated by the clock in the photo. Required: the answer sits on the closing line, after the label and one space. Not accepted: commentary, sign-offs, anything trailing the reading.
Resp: 5:13
